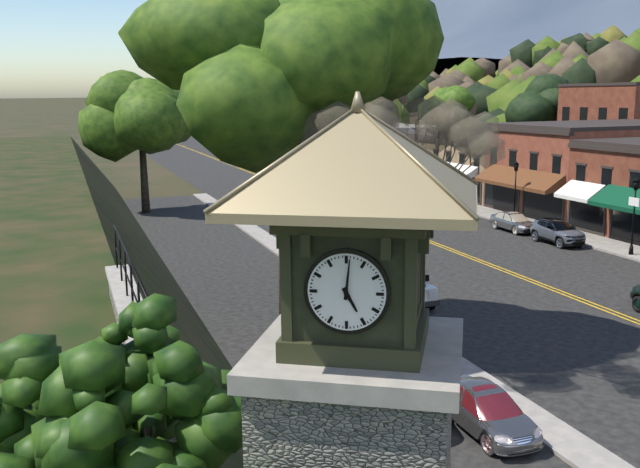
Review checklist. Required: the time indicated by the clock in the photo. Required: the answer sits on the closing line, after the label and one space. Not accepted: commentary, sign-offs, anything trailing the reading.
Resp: 5:01
